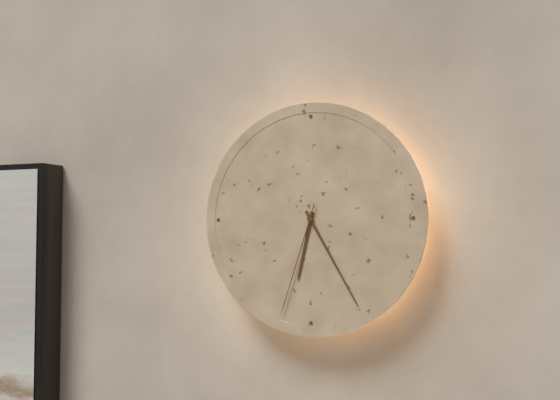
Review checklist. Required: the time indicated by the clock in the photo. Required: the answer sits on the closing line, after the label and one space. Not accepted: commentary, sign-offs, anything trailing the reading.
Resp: 6:25:33
